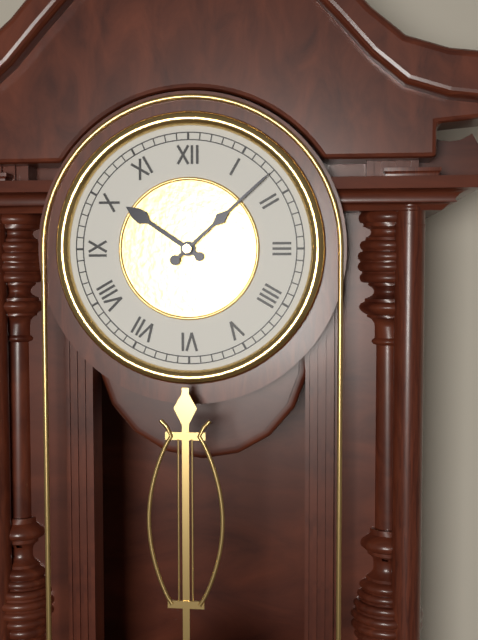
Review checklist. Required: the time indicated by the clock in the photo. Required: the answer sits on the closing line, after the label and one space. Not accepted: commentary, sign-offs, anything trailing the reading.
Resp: 10:08
